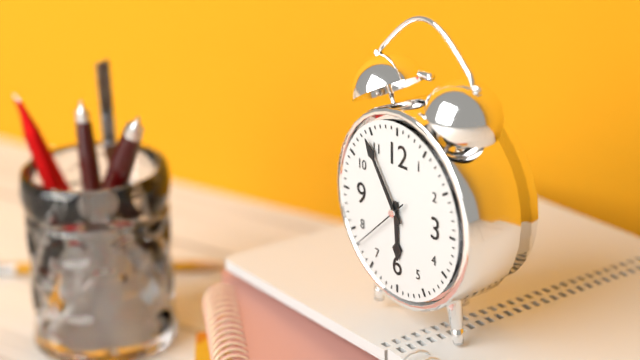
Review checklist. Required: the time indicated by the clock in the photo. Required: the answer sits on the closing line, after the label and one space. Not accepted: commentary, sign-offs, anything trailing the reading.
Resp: 5:54:38
